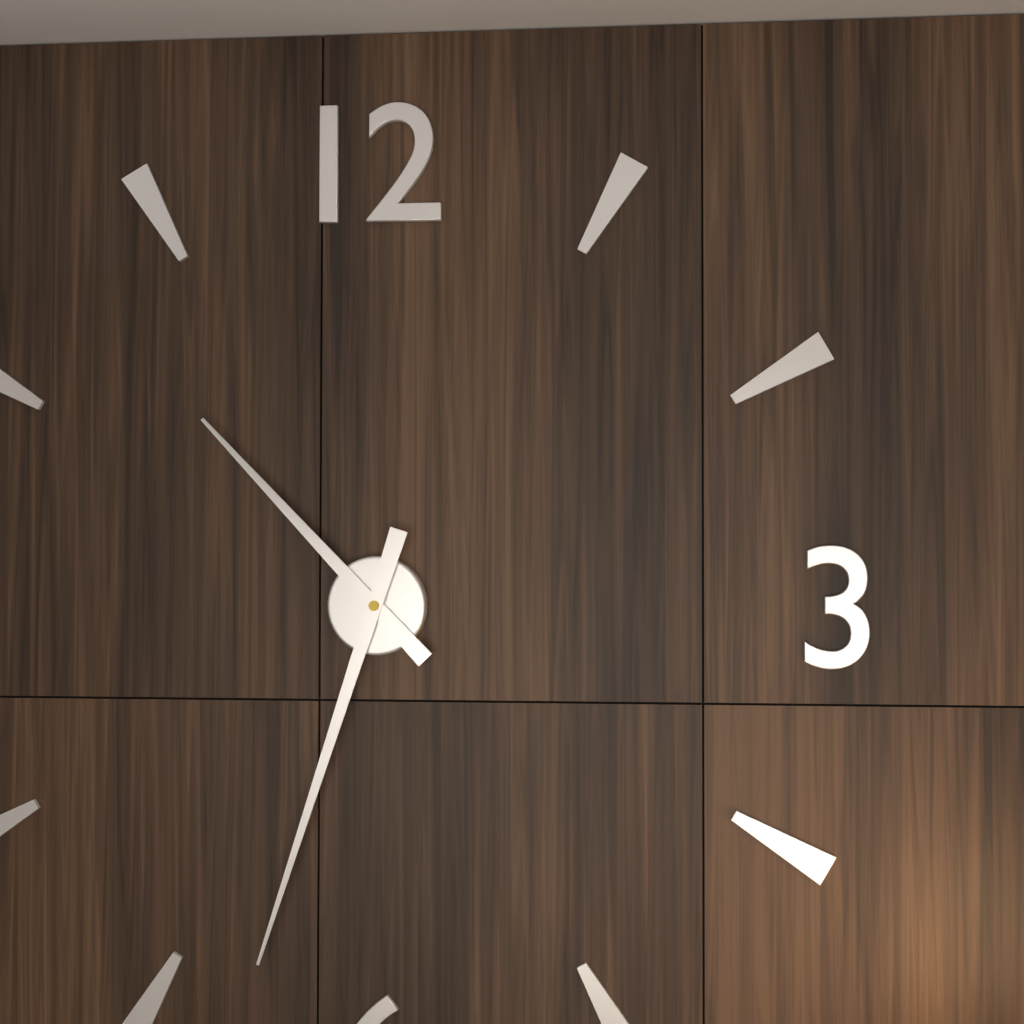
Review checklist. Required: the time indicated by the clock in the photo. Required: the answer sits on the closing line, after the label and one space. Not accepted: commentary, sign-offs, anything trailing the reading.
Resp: 10:33
